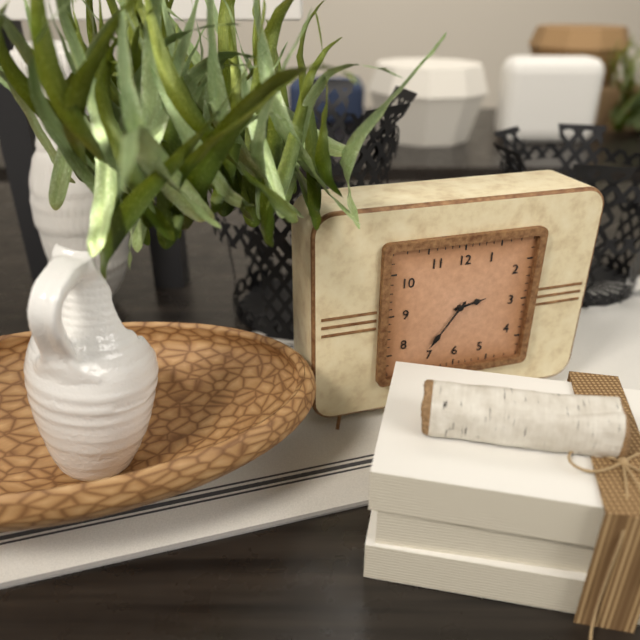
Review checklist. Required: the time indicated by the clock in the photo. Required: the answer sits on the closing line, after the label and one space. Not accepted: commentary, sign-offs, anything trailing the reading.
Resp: 2:36
